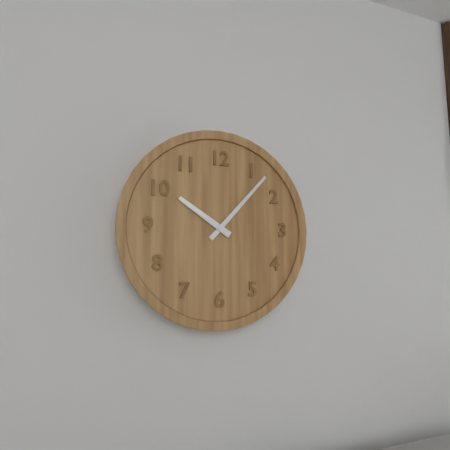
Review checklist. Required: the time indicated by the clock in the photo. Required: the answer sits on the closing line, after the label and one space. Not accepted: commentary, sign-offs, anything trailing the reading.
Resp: 10:07
